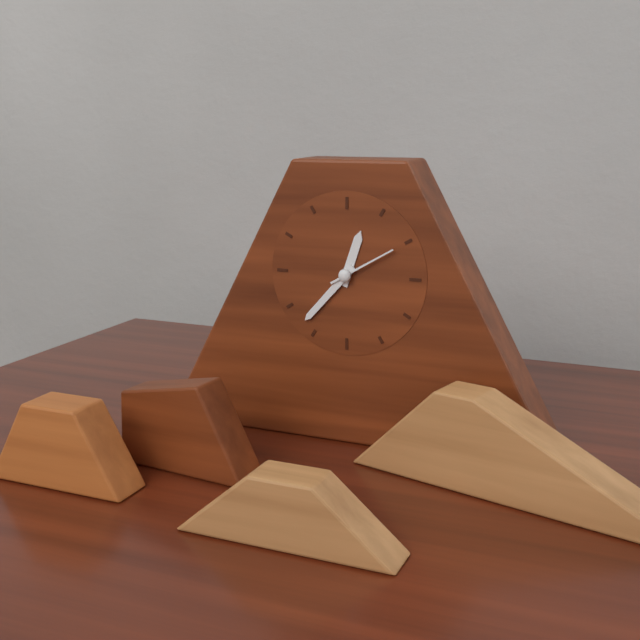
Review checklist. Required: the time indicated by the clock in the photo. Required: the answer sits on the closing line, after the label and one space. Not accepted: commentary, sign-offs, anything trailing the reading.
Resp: 12:37:10
